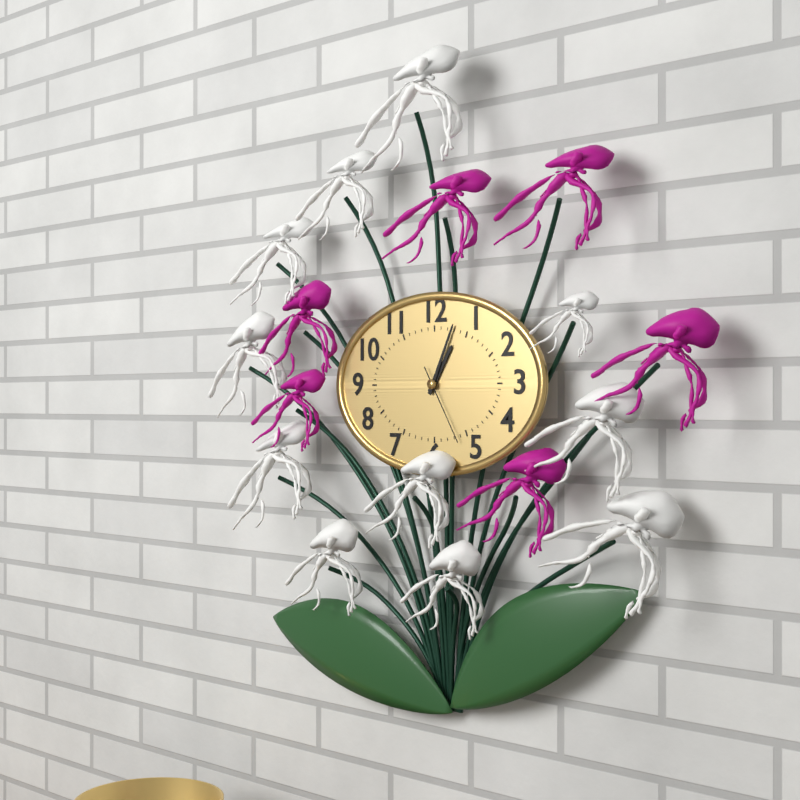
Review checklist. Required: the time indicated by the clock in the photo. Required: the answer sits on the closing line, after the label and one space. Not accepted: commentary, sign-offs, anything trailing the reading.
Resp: 1:04:25
